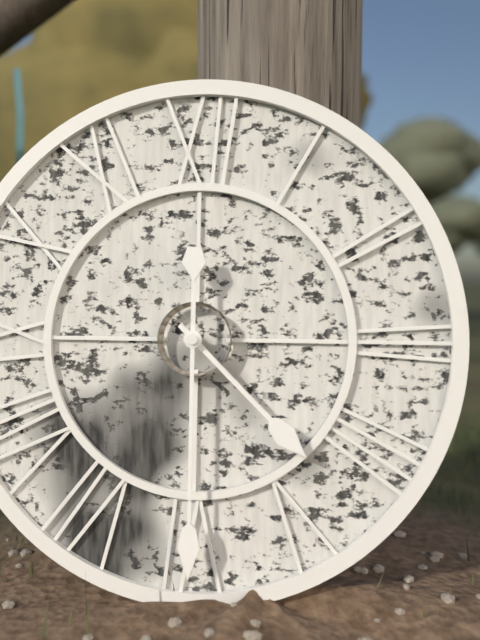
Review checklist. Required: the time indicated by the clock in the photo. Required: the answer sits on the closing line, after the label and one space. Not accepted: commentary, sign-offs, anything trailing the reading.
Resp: 4:30
